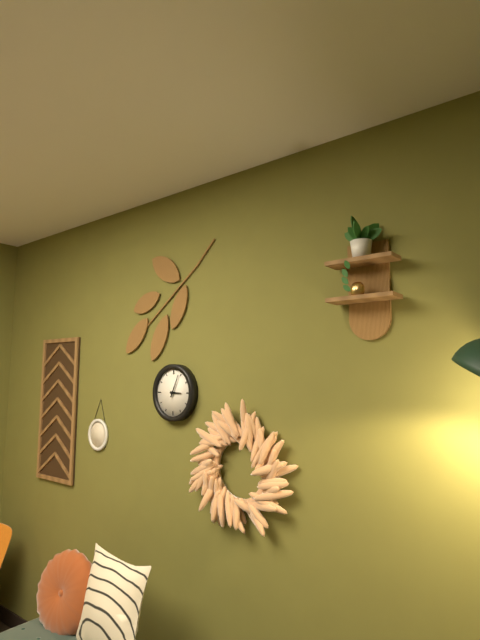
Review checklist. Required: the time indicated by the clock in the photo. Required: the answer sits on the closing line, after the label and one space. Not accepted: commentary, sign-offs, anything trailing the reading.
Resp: 3:04
